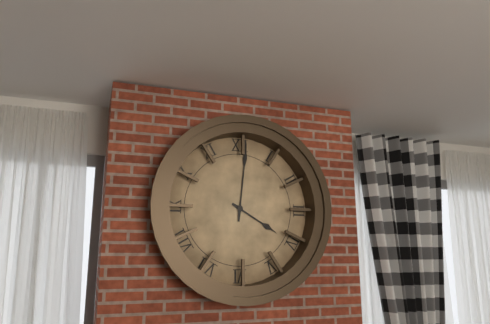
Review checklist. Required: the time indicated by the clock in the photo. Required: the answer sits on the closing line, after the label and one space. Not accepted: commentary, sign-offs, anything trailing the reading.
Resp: 4:01
